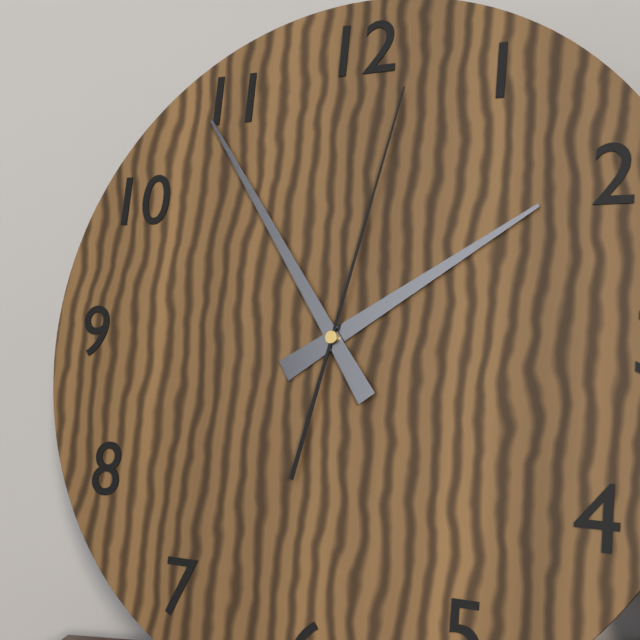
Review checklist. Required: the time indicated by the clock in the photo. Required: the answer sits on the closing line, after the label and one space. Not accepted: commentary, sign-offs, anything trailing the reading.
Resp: 1:54:02
